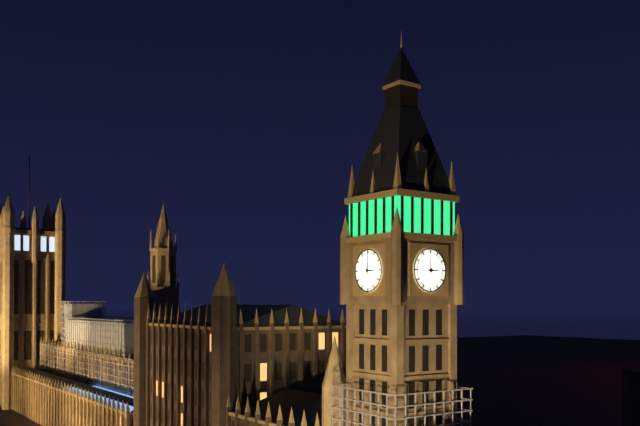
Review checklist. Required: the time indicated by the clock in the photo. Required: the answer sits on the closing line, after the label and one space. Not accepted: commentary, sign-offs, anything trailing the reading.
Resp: 3:00
